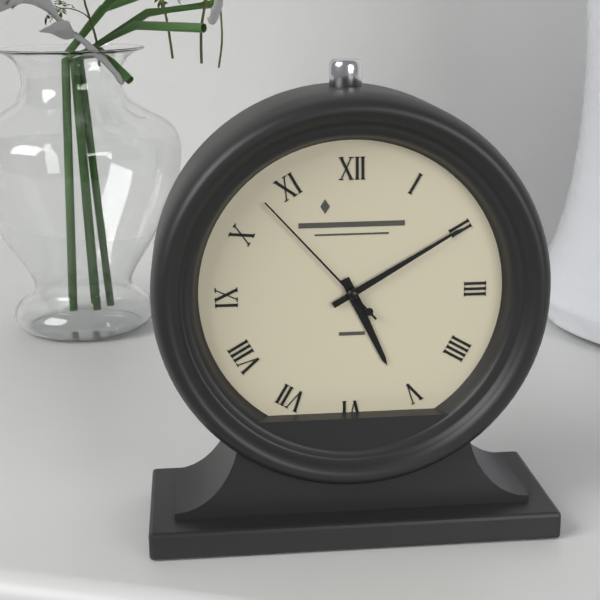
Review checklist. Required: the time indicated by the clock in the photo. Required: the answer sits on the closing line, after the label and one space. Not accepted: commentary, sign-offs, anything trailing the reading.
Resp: 5:10:53
